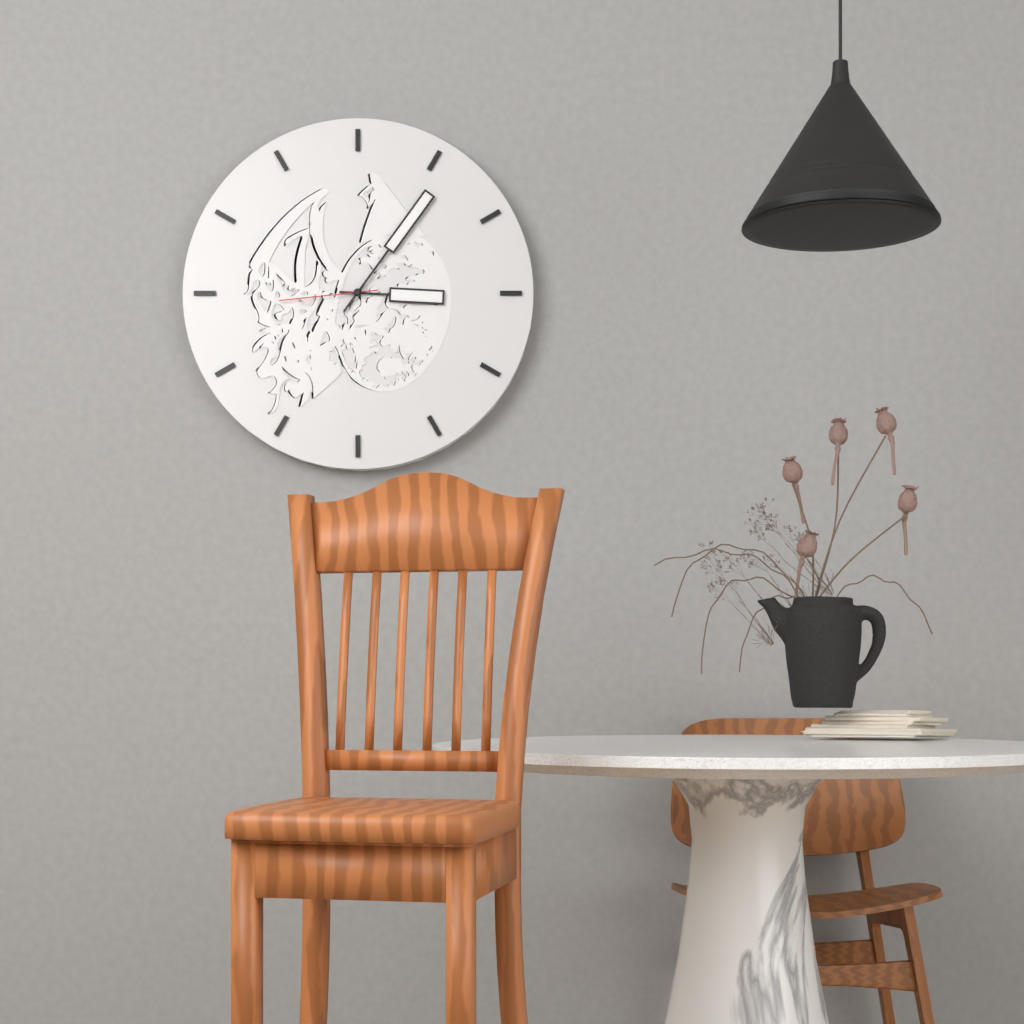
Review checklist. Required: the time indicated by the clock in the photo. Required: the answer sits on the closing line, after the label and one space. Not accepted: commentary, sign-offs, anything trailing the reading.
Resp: 3:06:44
